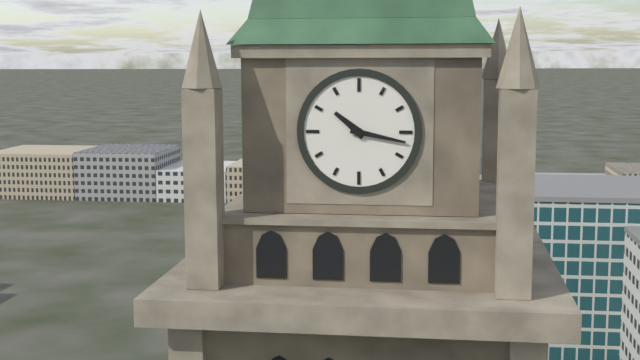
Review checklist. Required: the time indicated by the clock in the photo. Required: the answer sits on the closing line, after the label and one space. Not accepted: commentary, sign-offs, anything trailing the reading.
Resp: 10:17
